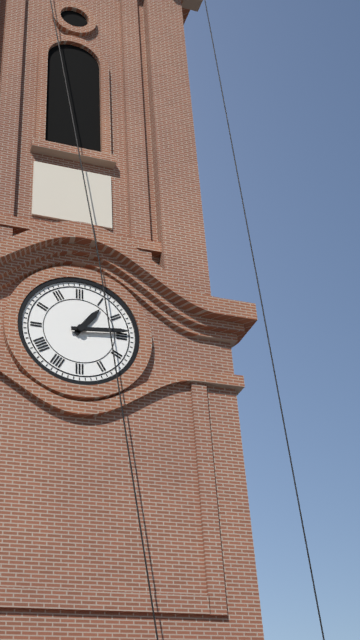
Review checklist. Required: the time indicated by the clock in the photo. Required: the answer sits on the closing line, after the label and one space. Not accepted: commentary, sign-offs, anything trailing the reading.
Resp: 1:14
